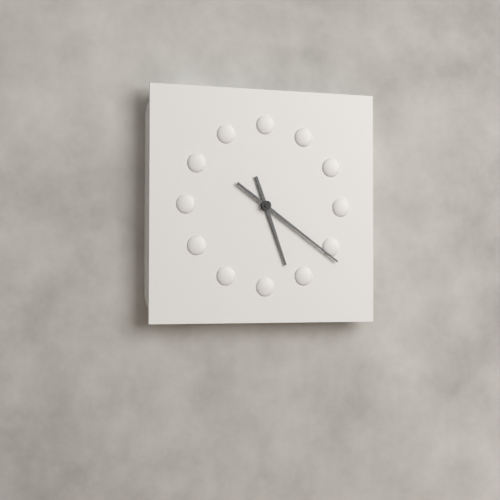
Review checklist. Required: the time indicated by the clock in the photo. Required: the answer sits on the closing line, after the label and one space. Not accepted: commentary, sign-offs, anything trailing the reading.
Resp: 5:21
